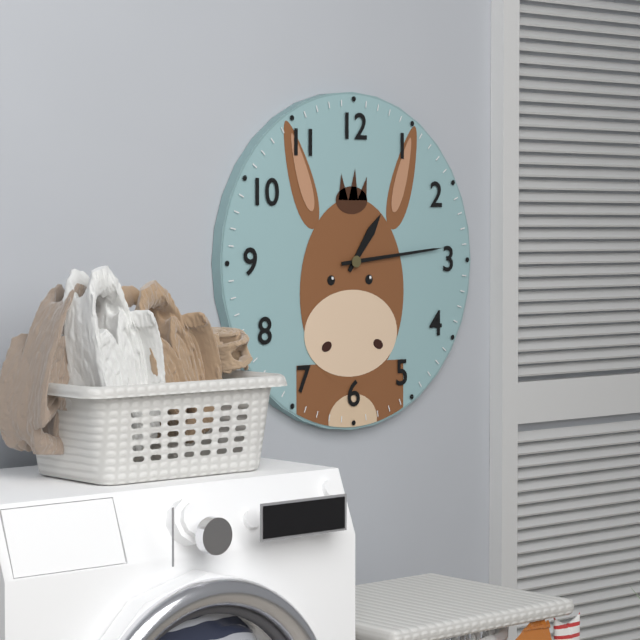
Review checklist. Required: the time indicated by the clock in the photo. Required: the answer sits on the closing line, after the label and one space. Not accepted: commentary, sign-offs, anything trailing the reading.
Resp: 1:14
